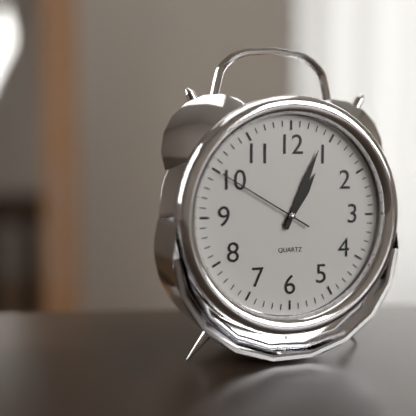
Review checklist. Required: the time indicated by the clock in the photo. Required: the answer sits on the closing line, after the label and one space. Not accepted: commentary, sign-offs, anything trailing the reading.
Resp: 1:04:50
